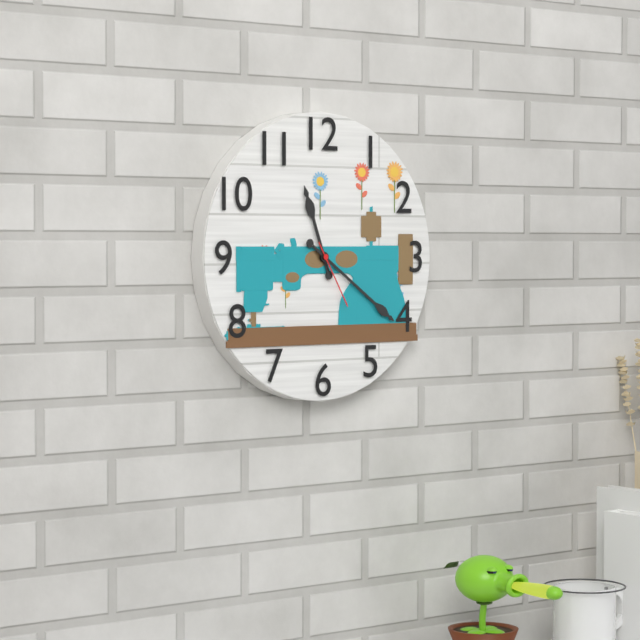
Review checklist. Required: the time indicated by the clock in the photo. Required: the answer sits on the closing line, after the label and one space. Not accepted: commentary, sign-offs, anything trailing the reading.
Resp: 11:21:25
